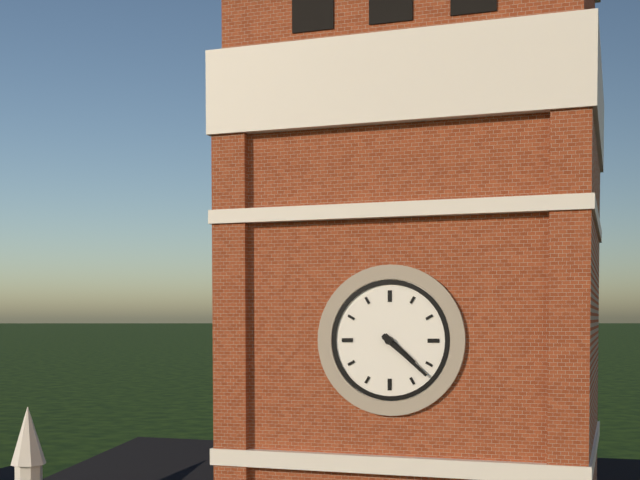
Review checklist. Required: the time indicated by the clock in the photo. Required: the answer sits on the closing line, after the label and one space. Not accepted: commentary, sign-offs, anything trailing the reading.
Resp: 4:22
